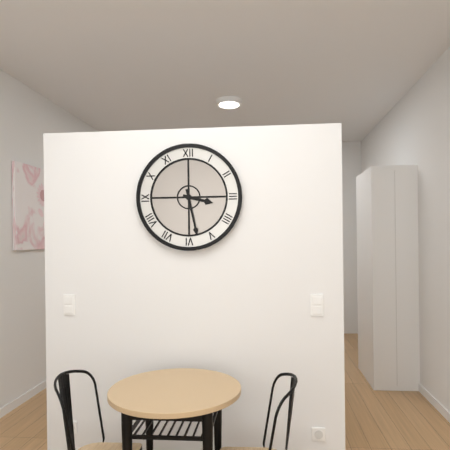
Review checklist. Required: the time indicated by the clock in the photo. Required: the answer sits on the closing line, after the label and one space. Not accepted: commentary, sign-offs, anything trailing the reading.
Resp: 3:28
